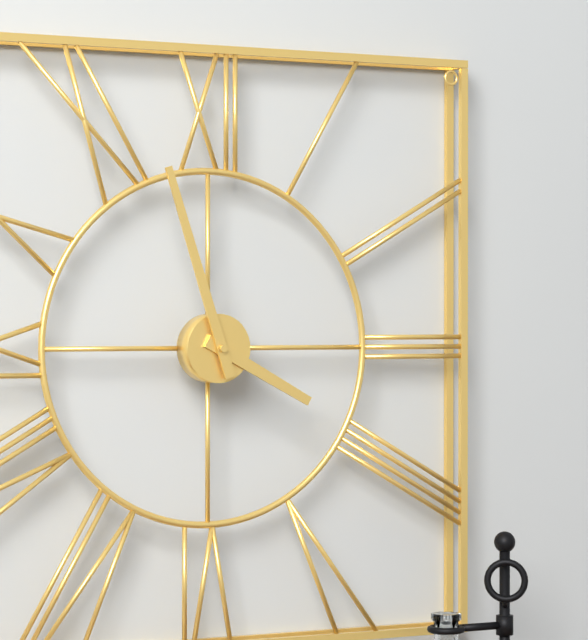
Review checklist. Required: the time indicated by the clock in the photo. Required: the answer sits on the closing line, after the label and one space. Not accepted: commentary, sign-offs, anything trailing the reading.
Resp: 3:57
